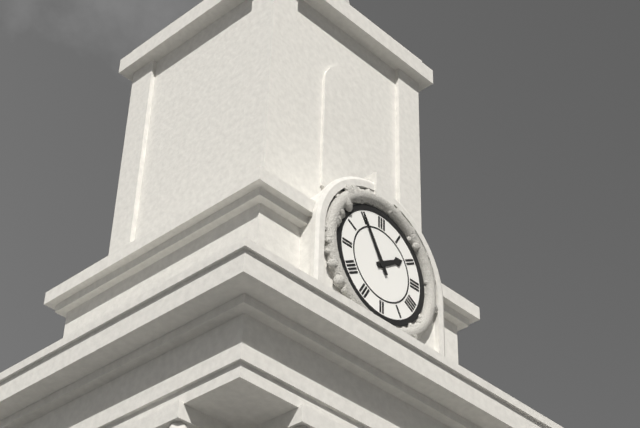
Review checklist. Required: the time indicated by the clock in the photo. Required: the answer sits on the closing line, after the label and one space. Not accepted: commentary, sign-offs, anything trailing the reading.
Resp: 1:55
